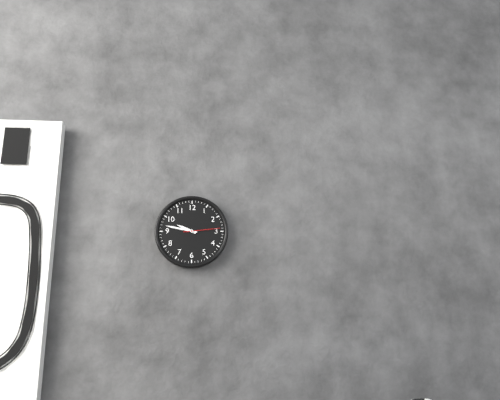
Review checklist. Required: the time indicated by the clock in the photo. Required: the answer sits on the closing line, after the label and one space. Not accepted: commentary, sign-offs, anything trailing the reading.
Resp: 9:47
